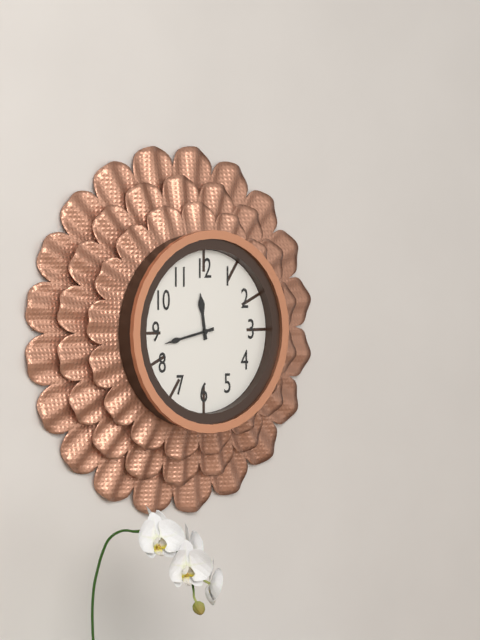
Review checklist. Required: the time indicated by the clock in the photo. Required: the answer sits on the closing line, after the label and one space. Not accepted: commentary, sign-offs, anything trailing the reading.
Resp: 11:43
